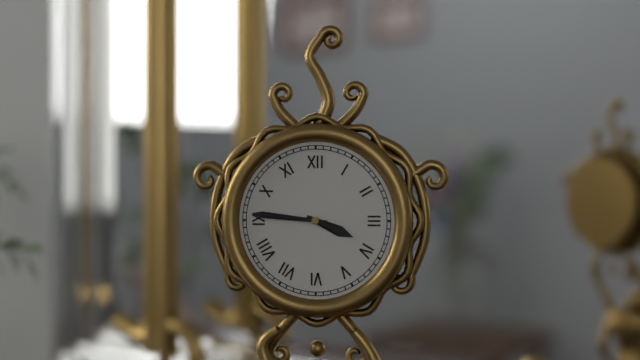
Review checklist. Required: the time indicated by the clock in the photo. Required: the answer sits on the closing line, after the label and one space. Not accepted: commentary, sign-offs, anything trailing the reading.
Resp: 3:46
